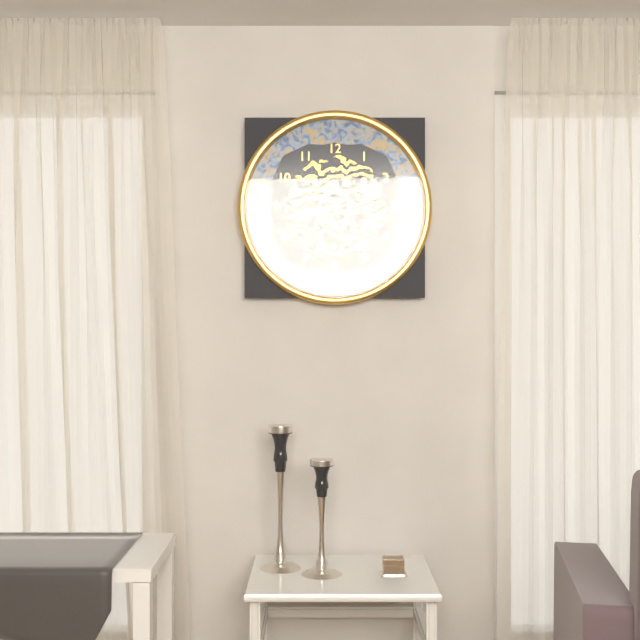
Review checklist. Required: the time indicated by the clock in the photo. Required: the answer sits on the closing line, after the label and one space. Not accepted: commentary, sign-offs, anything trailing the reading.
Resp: 8:43
